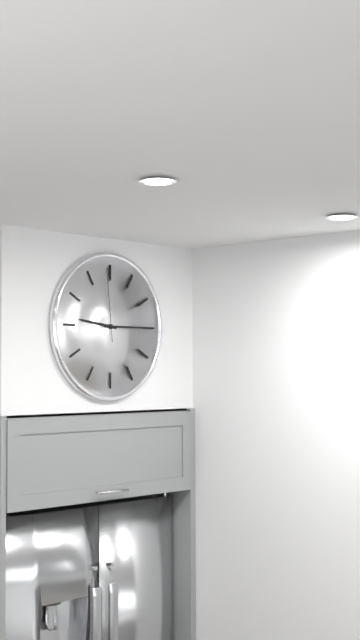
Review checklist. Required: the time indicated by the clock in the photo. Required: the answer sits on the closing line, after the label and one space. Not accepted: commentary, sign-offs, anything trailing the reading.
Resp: 9:15:59
